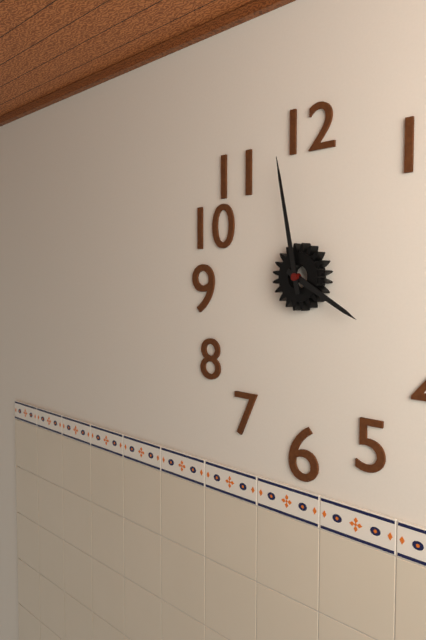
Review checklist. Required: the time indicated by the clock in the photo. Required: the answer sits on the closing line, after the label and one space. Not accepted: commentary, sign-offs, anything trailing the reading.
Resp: 3:58
